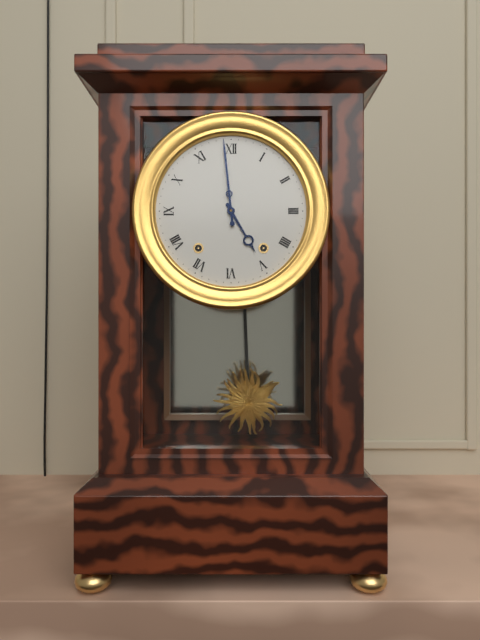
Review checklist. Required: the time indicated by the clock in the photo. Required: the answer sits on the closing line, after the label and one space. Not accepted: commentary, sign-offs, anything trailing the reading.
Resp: 4:59
